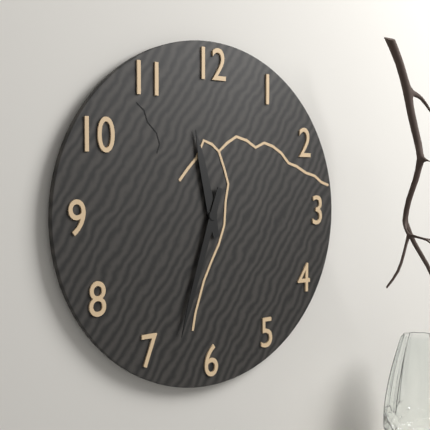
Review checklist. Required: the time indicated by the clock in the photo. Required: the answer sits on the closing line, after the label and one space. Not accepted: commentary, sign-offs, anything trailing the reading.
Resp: 11:33
